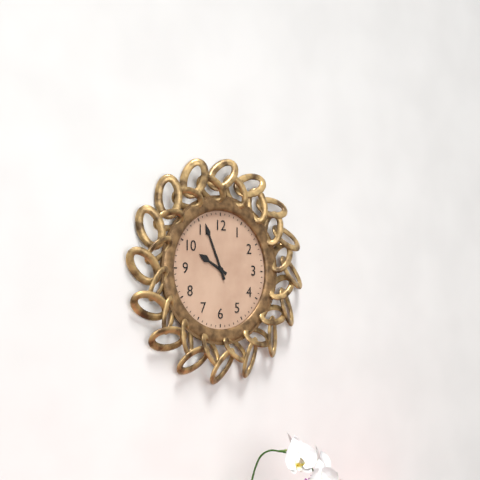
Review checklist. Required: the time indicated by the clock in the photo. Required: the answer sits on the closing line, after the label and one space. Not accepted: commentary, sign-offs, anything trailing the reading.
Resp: 9:56
